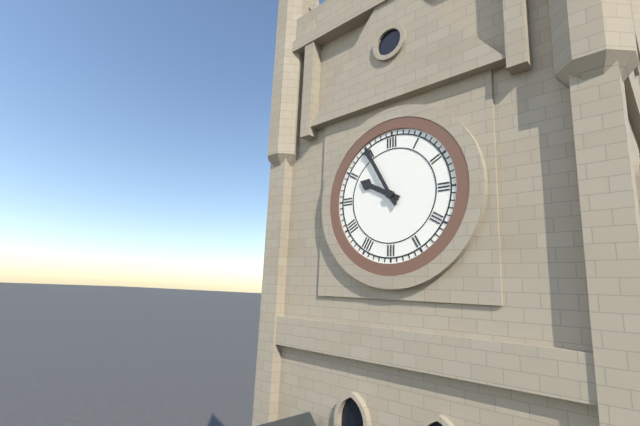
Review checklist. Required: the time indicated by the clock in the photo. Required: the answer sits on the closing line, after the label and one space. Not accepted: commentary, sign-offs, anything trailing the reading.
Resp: 9:55
